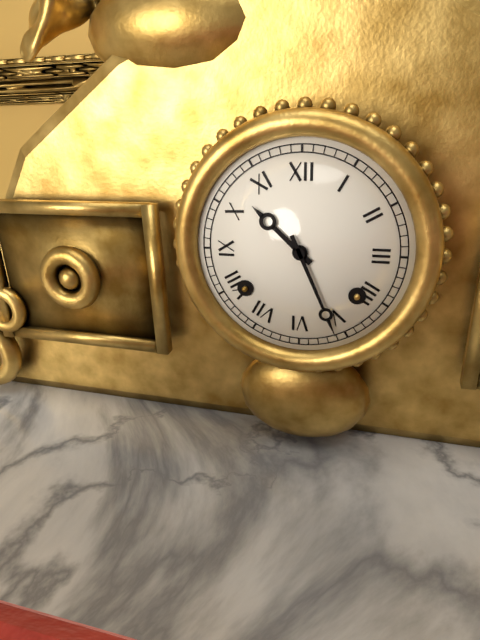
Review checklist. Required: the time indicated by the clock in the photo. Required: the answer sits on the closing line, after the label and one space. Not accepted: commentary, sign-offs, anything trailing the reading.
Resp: 10:26
